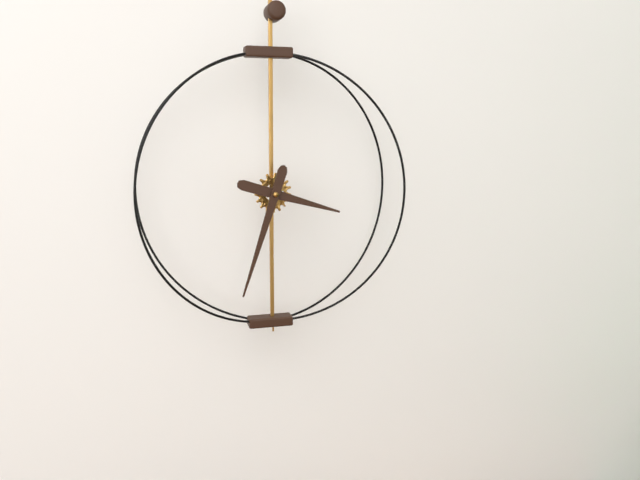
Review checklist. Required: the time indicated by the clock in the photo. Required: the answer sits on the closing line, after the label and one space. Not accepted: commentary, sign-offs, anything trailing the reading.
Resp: 3:33
